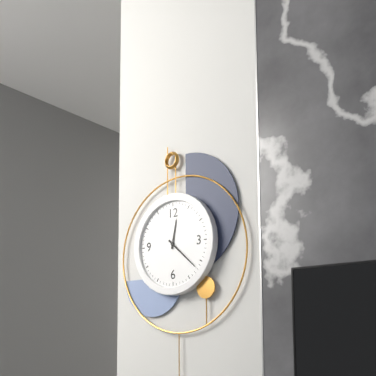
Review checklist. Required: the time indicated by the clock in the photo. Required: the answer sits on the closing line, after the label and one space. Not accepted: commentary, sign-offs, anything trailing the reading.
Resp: 12:22
